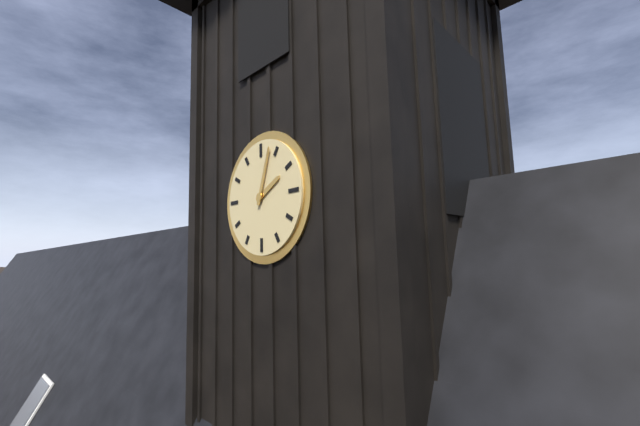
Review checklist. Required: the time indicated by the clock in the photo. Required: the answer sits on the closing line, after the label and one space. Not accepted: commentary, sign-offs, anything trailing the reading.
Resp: 2:03
